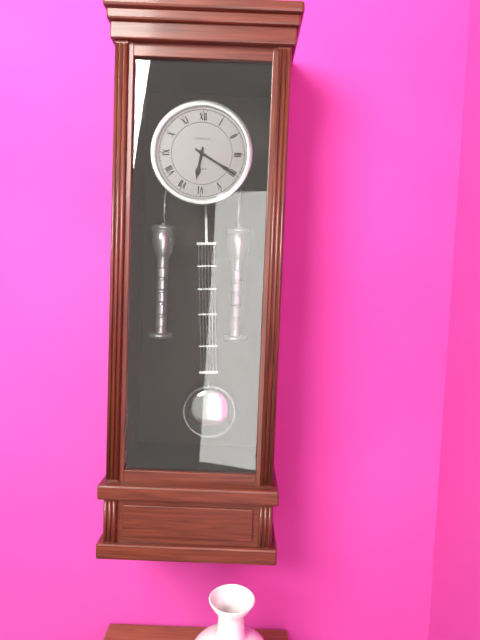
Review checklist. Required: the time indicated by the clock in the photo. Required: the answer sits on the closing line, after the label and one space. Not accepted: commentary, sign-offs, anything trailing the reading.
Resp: 6:20
